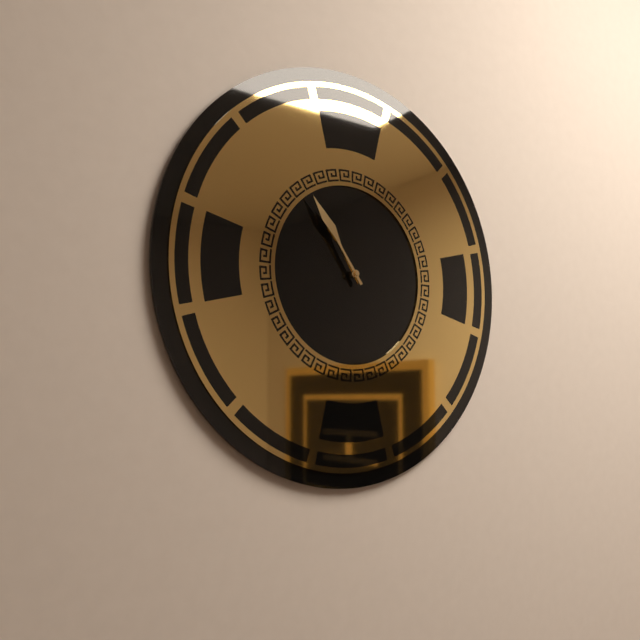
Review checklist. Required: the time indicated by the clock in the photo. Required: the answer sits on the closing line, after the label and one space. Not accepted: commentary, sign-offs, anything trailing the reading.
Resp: 10:54
